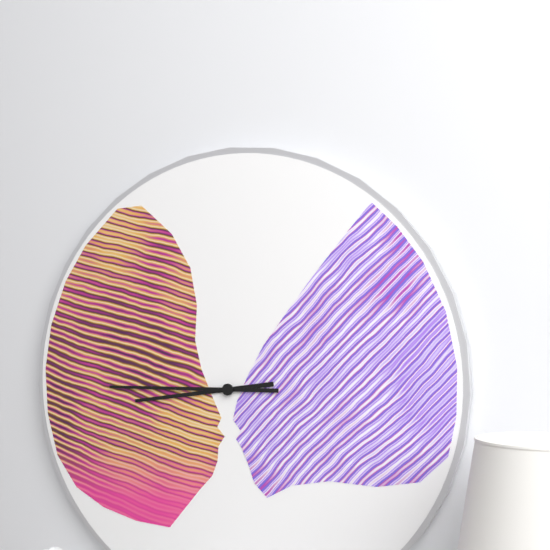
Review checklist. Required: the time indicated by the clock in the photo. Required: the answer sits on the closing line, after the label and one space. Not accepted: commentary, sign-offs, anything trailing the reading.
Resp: 8:45
